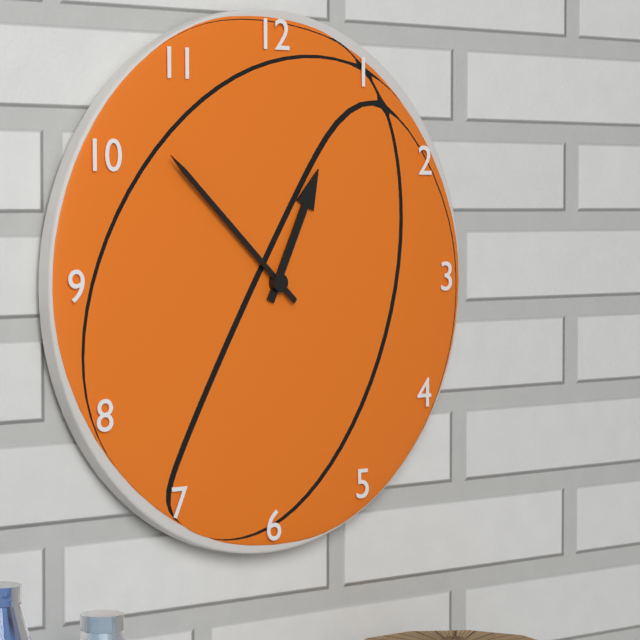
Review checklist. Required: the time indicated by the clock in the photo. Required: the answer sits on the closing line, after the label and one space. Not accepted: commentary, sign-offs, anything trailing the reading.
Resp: 12:52
